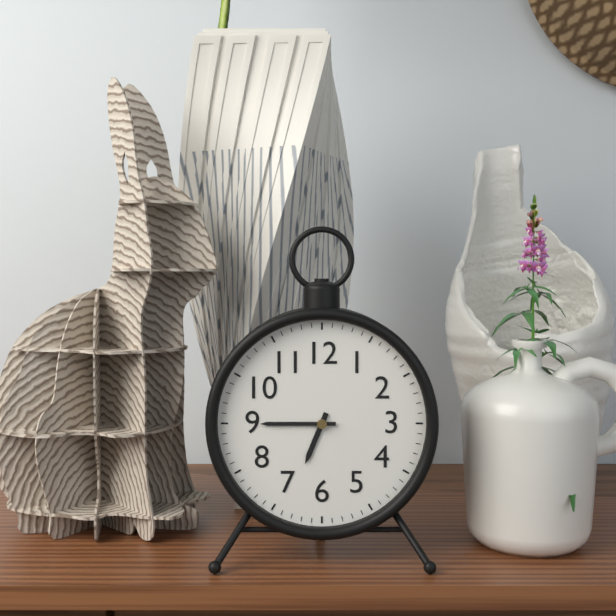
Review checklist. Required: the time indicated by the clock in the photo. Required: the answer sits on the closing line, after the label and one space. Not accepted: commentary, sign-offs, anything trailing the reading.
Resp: 6:45
